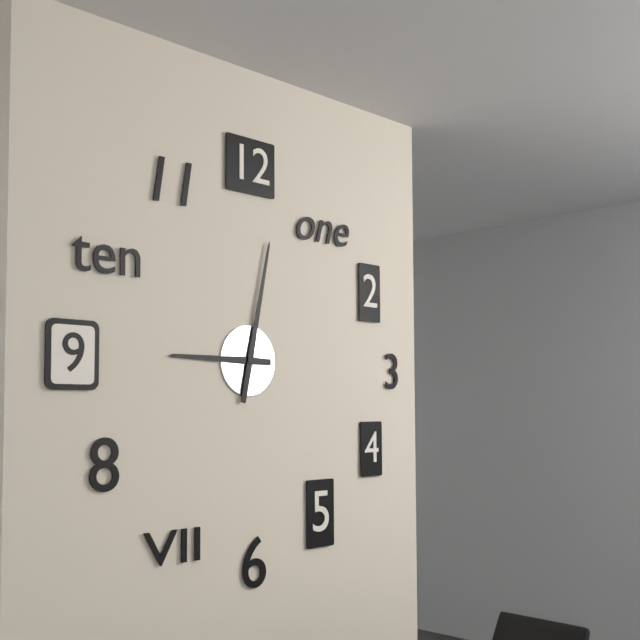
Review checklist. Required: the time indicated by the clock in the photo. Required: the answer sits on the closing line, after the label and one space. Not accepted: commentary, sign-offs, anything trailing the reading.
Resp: 9:02
